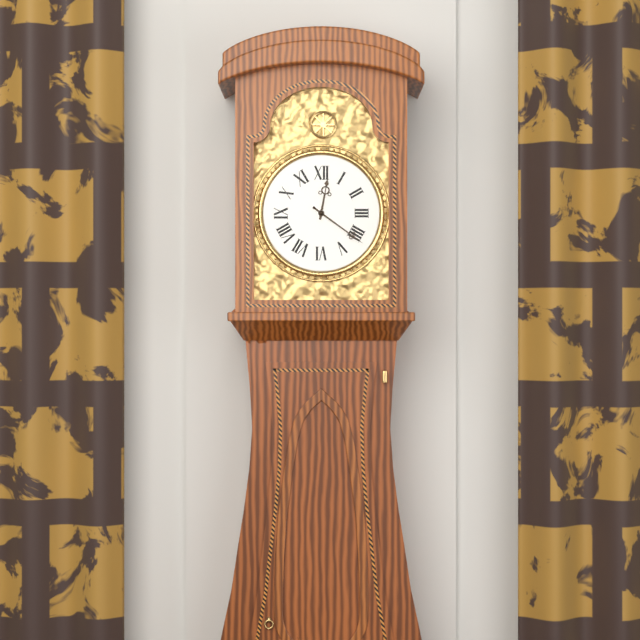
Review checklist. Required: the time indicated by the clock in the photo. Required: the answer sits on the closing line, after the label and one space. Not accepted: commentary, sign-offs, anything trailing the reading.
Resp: 12:21
